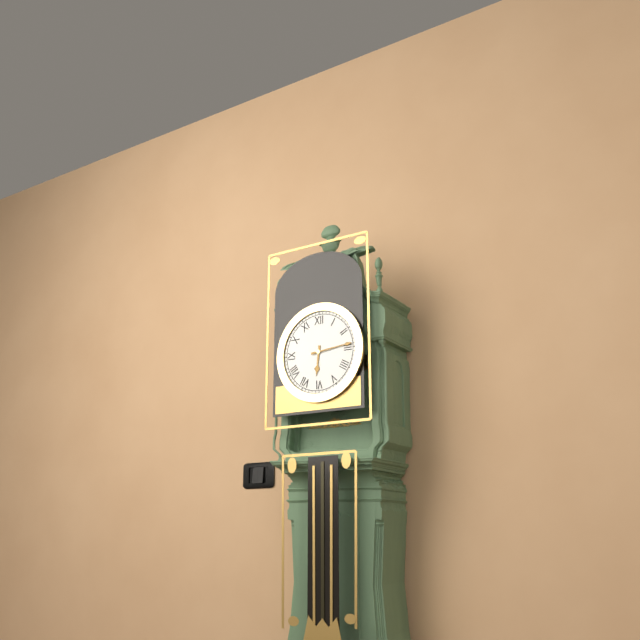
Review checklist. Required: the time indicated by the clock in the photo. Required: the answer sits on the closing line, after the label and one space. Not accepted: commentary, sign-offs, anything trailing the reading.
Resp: 6:14
